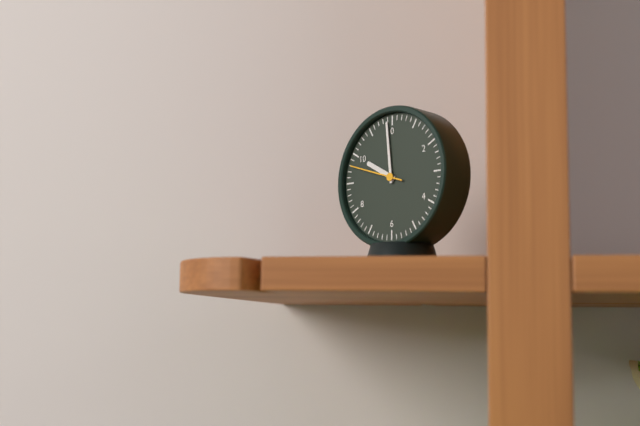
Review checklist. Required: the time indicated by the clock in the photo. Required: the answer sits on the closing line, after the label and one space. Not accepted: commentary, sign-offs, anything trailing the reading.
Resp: 9:59:48
